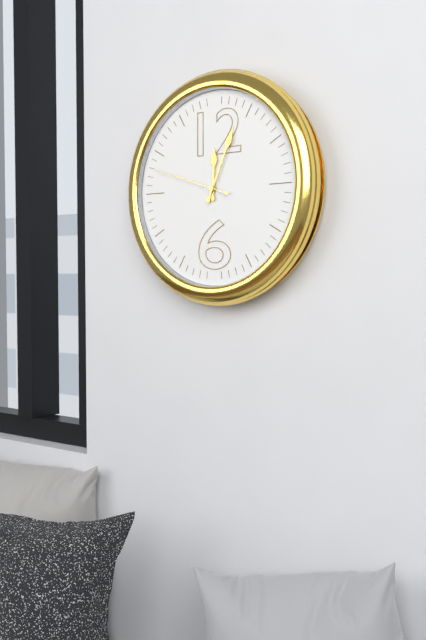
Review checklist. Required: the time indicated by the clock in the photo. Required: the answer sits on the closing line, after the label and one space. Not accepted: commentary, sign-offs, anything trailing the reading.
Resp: 12:04:48
